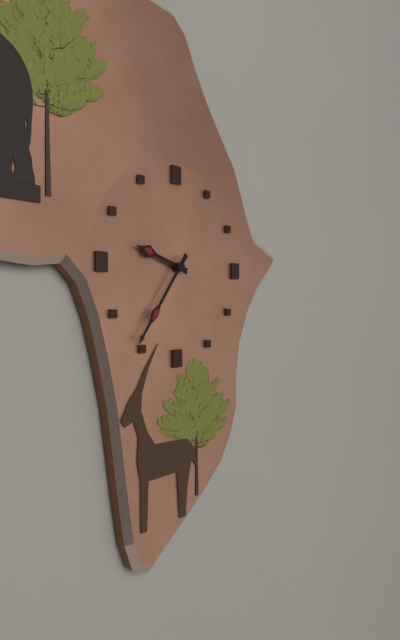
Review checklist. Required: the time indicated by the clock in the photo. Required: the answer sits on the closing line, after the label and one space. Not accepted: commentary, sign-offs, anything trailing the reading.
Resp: 9:36
